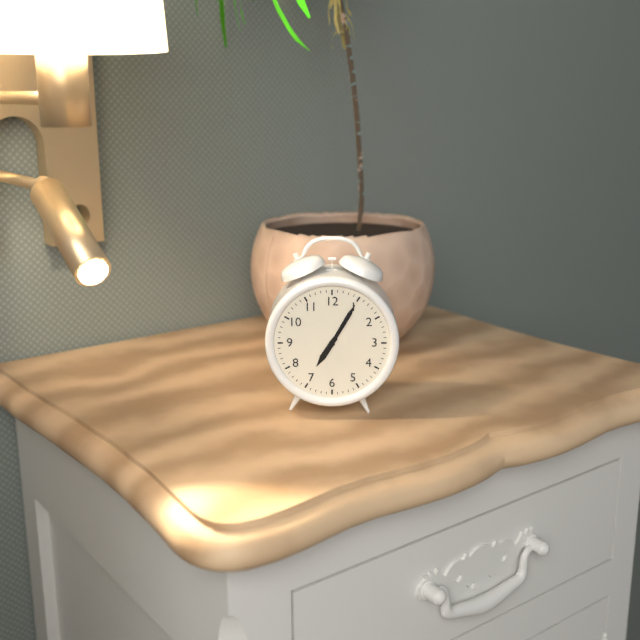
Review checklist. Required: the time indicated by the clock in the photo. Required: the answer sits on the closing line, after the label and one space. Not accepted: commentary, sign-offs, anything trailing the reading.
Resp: 7:05
